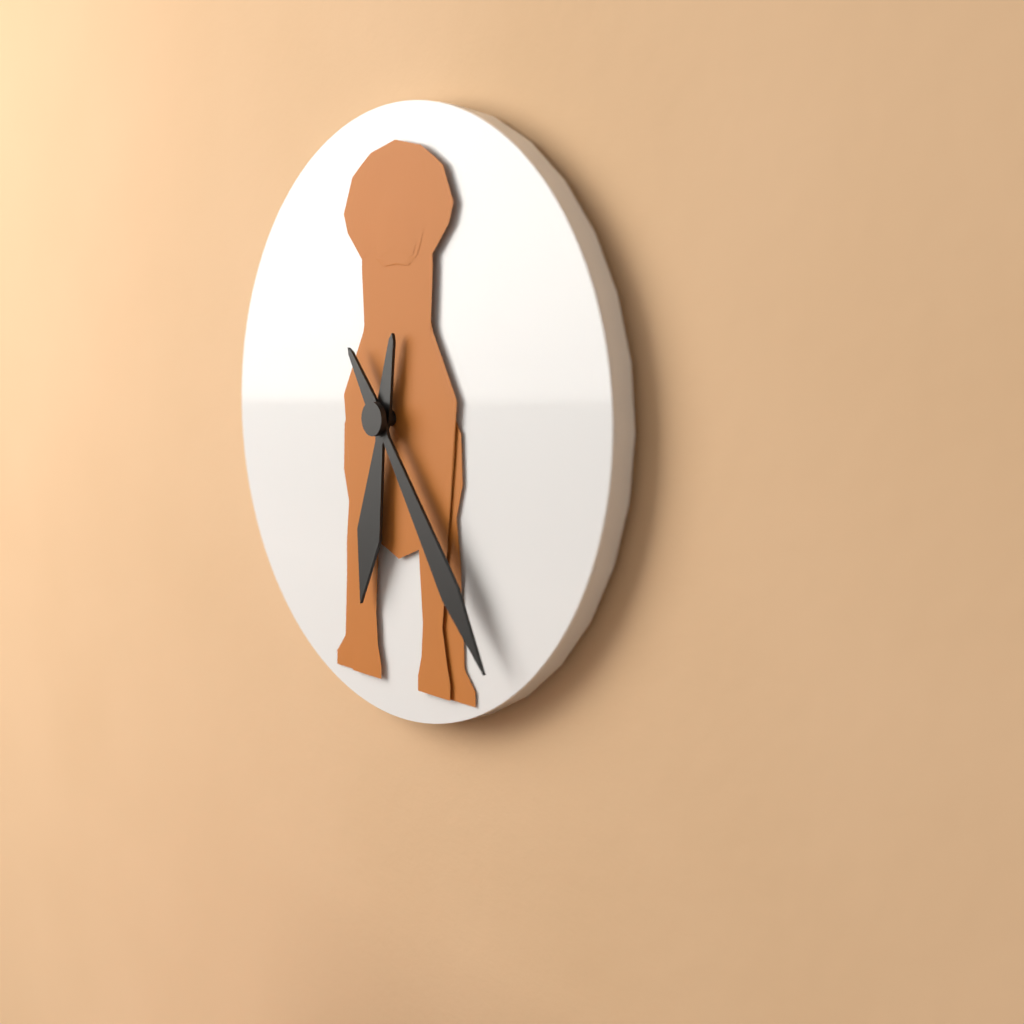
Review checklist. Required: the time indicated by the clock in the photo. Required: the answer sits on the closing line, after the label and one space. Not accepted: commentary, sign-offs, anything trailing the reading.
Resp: 6:24
